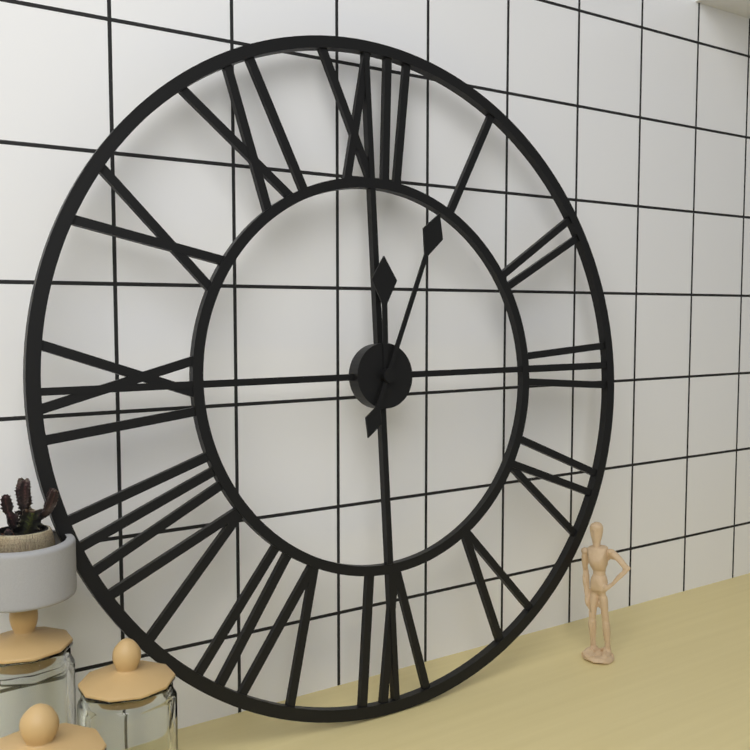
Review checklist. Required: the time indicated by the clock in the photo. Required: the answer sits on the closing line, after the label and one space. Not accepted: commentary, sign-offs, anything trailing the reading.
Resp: 12:04
